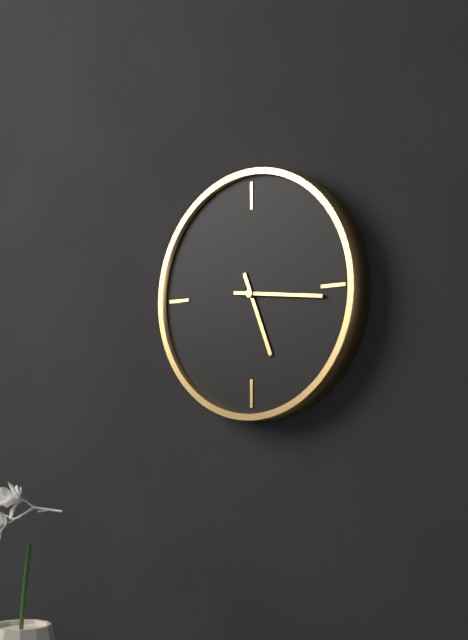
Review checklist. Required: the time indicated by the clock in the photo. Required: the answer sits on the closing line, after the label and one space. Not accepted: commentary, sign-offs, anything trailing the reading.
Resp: 5:16
